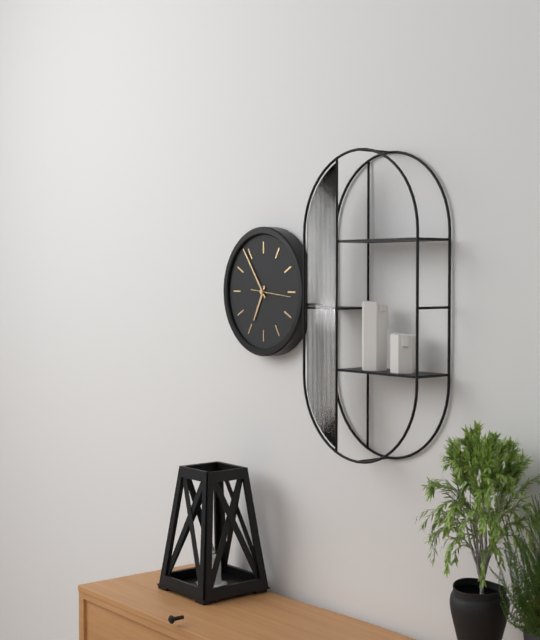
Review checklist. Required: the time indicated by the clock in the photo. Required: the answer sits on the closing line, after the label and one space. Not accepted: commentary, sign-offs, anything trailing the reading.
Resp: 6:54
